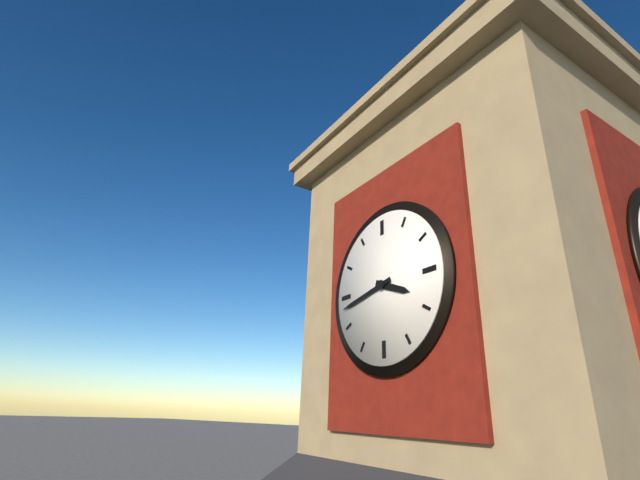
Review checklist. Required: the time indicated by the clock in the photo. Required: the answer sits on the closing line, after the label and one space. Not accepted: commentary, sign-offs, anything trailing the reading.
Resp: 3:43
